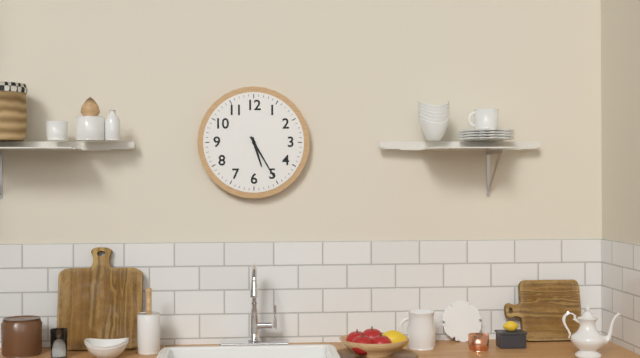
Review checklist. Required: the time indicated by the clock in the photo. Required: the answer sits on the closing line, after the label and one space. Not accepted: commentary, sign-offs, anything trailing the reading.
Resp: 5:25
